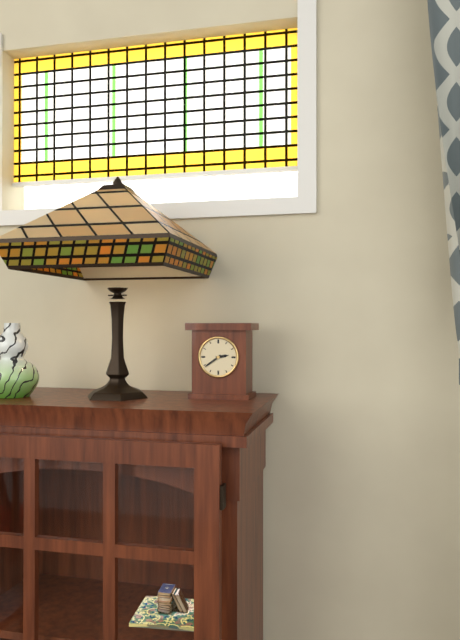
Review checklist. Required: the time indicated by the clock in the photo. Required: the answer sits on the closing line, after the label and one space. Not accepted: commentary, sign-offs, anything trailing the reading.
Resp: 2:39
